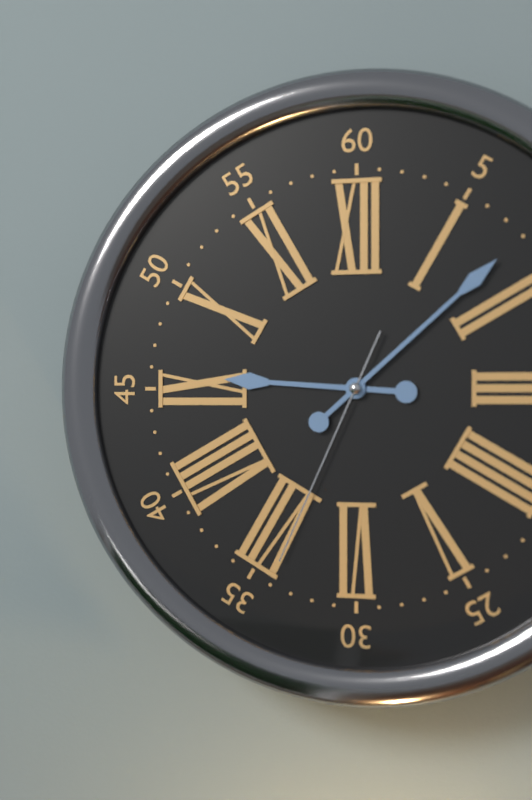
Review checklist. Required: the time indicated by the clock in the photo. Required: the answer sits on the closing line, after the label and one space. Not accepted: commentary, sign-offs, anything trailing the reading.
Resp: 9:08:34
